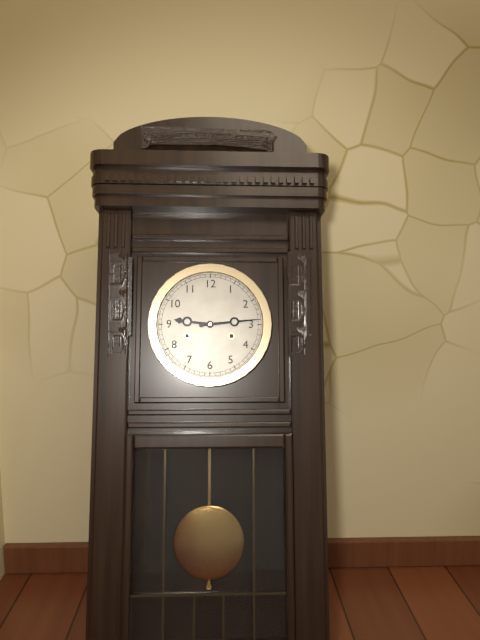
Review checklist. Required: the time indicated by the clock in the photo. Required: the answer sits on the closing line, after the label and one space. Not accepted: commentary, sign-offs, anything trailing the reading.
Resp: 9:14
